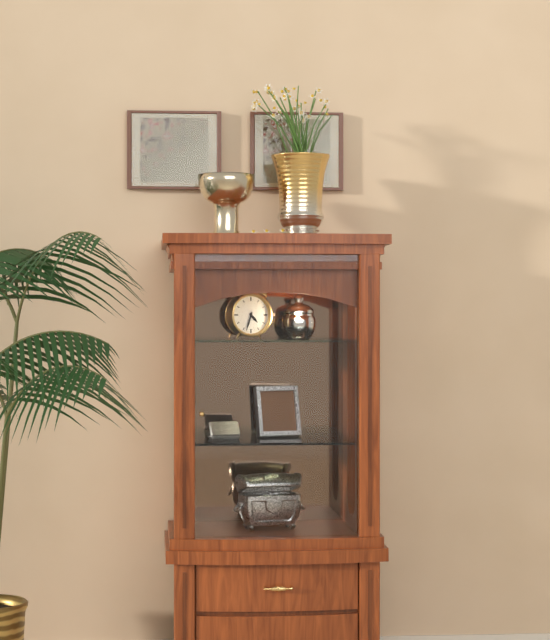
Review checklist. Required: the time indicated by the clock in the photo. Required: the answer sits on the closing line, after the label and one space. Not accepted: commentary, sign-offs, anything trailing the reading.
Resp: 4:33
